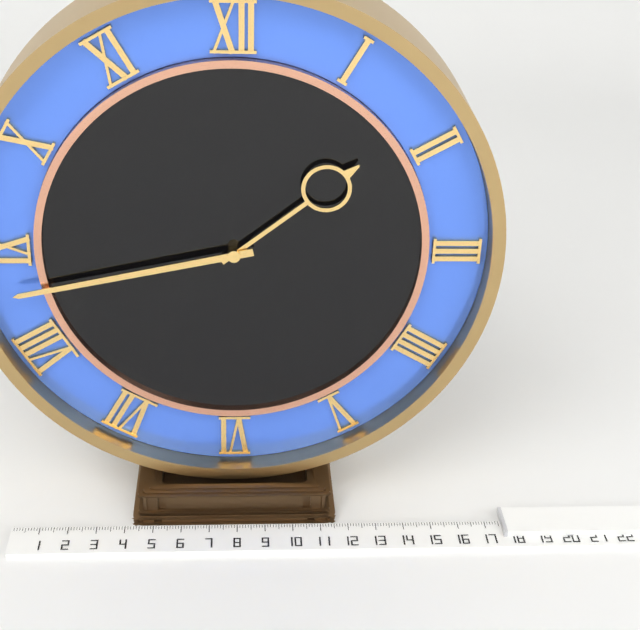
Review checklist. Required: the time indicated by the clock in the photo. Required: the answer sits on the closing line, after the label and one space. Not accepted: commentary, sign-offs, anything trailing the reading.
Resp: 1:43
